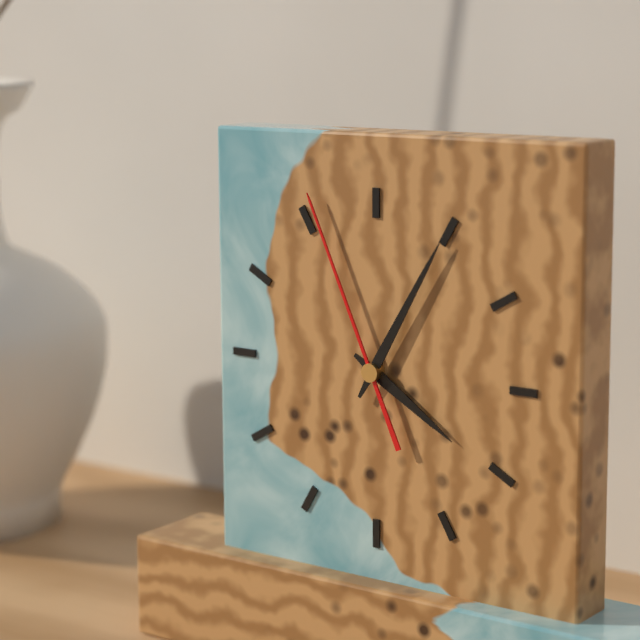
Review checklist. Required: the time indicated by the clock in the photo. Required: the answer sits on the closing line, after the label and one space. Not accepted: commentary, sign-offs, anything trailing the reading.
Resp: 4:05:56
